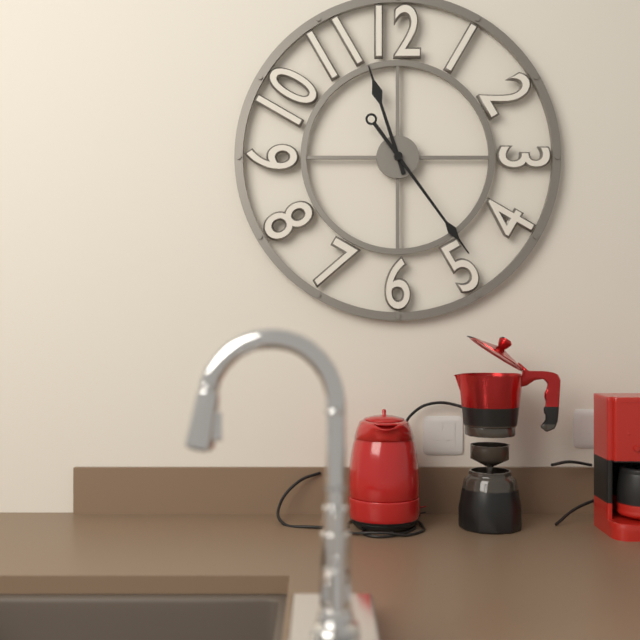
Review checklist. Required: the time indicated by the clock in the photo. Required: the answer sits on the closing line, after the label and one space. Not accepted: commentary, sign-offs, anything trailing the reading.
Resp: 11:24
